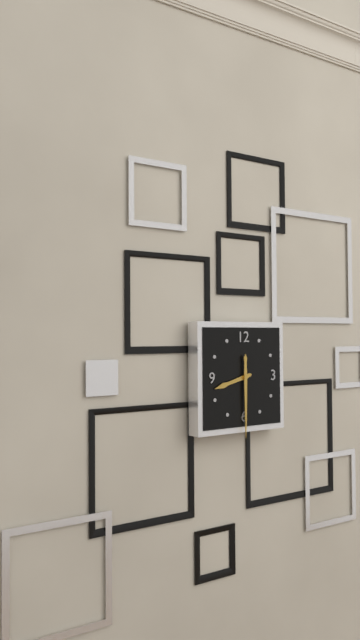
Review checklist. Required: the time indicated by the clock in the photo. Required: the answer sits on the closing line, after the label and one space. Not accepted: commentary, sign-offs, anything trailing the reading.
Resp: 8:30
